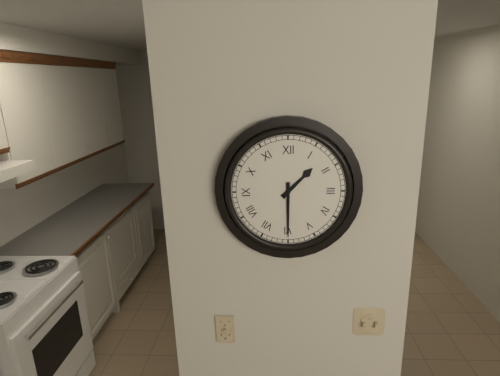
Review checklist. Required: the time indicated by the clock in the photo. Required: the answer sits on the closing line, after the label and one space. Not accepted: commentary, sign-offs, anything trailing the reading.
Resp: 1:30
